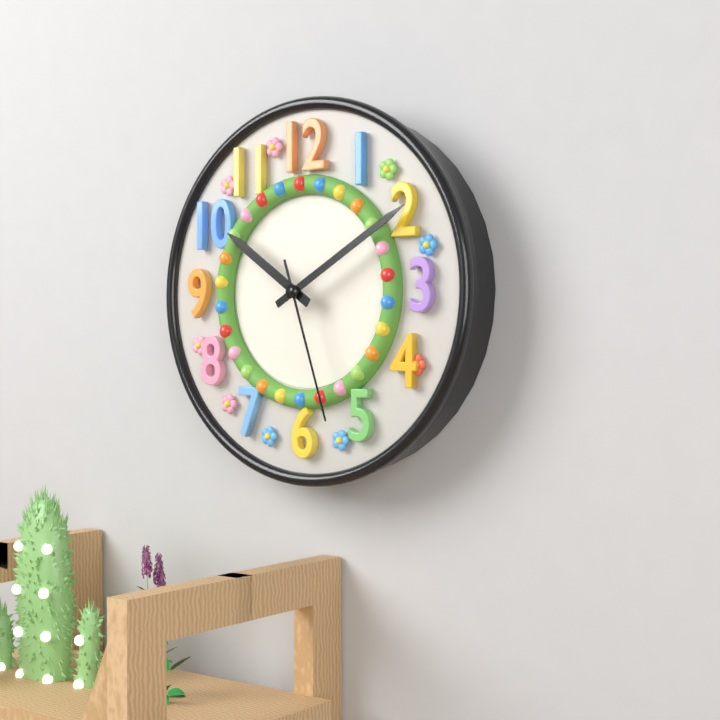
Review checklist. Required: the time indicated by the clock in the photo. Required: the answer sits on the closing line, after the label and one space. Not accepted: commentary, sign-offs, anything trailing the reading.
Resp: 10:10:27
